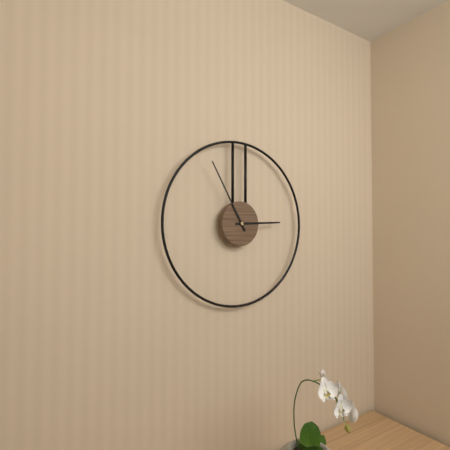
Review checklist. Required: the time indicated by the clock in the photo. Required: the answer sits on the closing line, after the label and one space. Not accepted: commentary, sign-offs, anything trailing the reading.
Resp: 2:55
